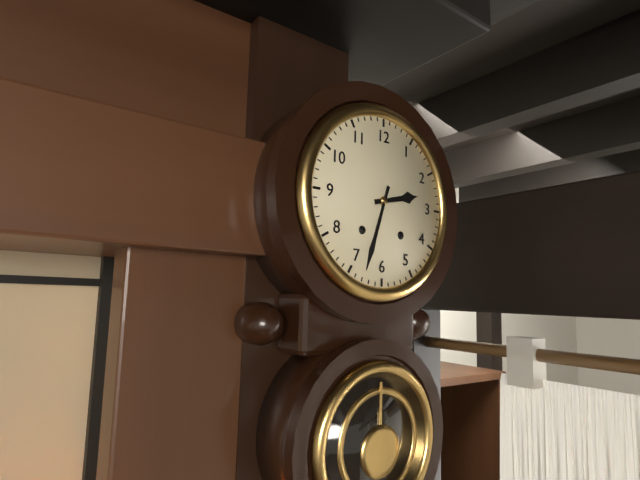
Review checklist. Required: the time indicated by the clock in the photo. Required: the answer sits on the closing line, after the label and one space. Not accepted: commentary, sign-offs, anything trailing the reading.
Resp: 2:33
